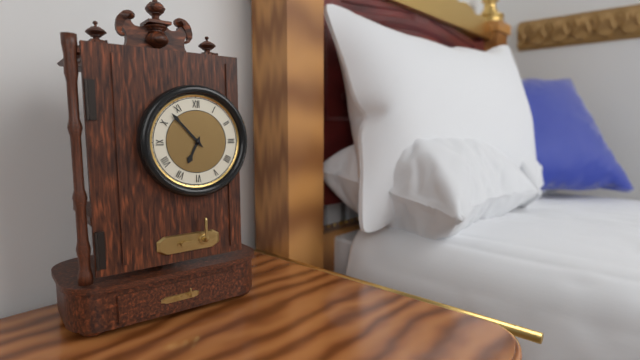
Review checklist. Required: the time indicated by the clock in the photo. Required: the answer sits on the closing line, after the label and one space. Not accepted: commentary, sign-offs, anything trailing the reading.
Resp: 6:53
